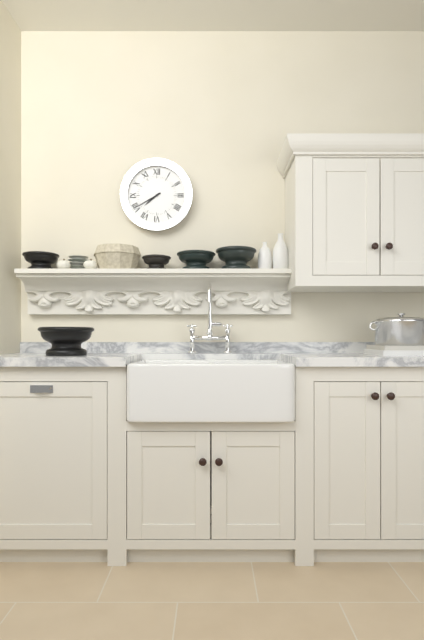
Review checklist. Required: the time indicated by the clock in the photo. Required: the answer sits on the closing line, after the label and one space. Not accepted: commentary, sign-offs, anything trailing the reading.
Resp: 7:40
